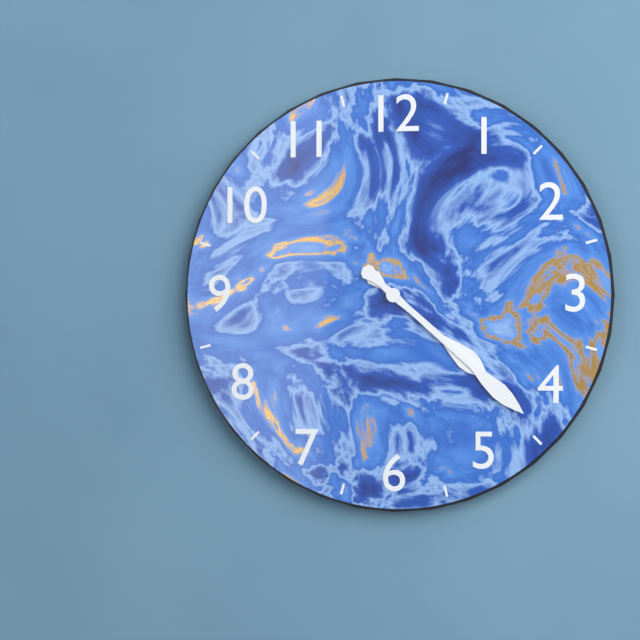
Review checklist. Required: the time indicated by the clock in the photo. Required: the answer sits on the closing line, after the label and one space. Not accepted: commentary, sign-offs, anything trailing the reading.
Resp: 4:22
